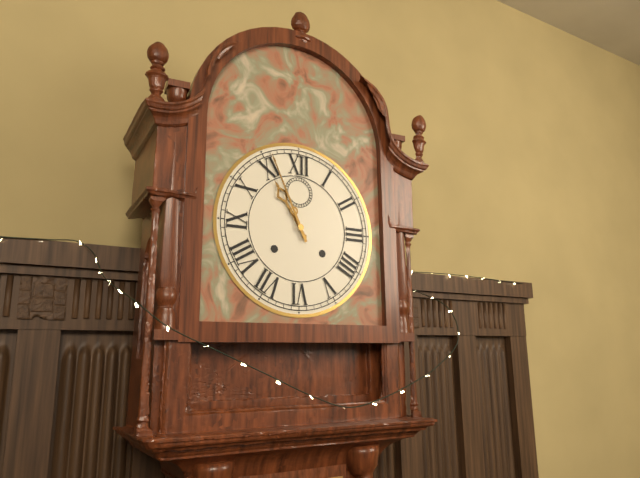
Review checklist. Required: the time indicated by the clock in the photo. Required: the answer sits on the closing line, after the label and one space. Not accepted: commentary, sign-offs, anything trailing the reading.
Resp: 10:56
